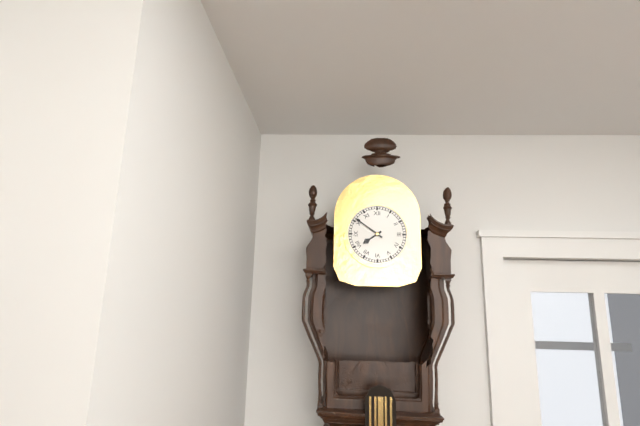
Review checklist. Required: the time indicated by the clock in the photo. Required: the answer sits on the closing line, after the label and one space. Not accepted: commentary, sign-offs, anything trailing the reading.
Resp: 7:51
